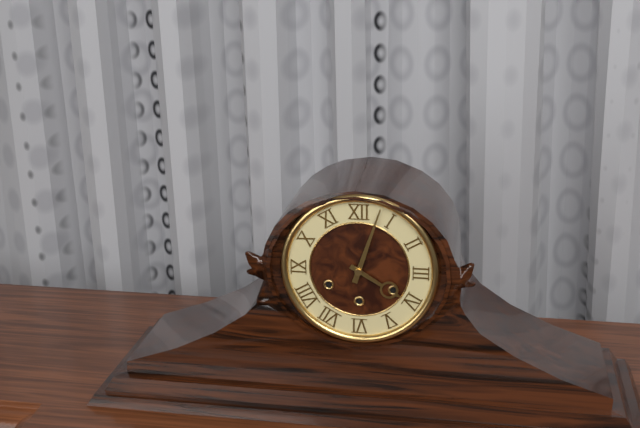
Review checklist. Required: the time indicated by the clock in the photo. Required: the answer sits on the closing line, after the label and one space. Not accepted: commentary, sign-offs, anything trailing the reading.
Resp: 4:03
